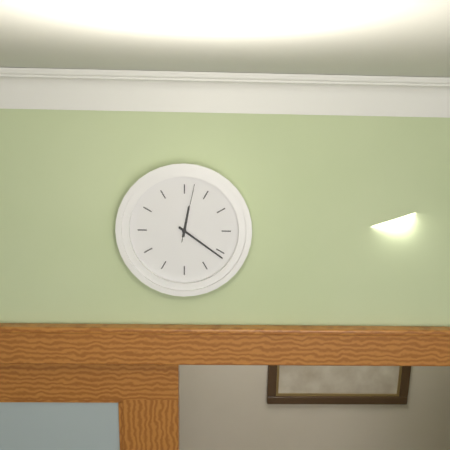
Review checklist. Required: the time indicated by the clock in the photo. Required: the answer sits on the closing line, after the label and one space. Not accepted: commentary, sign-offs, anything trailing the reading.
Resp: 12:21:02
